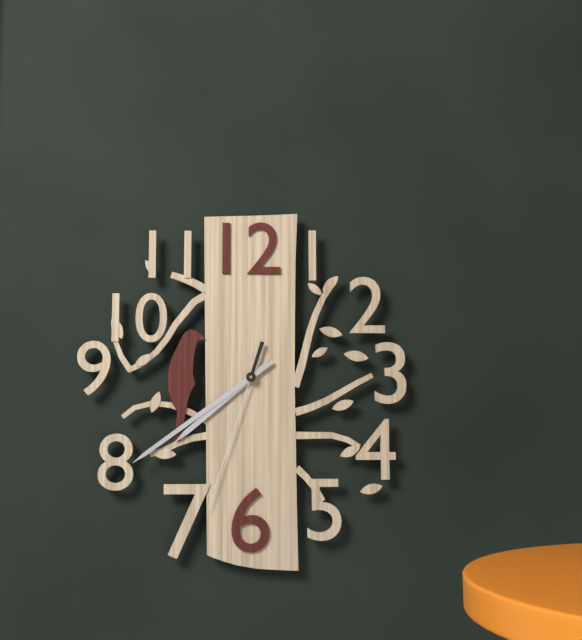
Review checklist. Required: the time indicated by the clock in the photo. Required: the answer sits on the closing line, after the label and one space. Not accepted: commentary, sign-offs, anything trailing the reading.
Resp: 7:39:33
